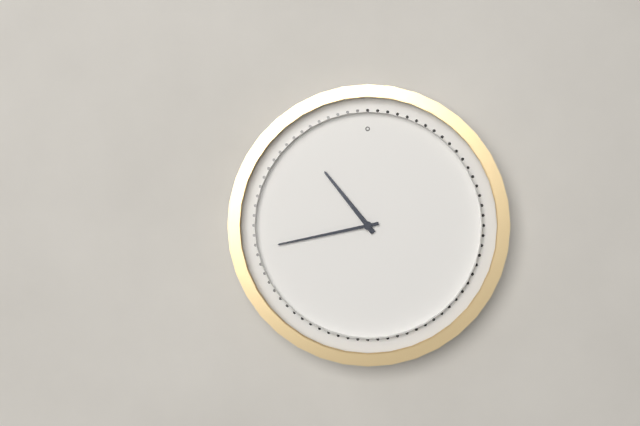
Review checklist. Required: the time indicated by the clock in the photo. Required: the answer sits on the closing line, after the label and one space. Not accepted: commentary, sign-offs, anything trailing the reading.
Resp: 10:43
